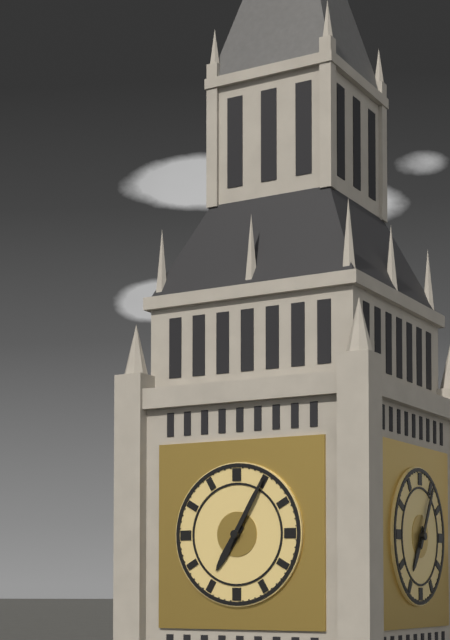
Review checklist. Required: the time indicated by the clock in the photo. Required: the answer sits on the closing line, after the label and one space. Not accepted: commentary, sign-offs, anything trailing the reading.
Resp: 7:05
